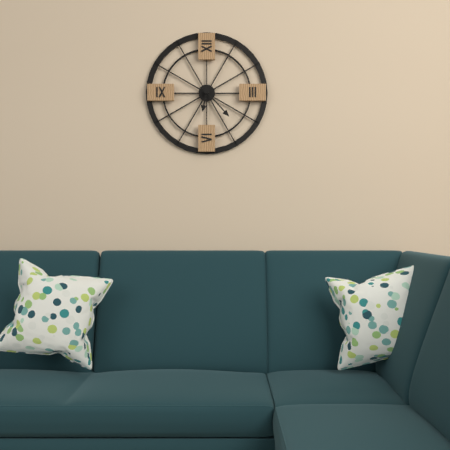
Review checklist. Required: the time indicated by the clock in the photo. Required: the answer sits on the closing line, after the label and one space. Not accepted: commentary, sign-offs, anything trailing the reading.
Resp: 6:23
